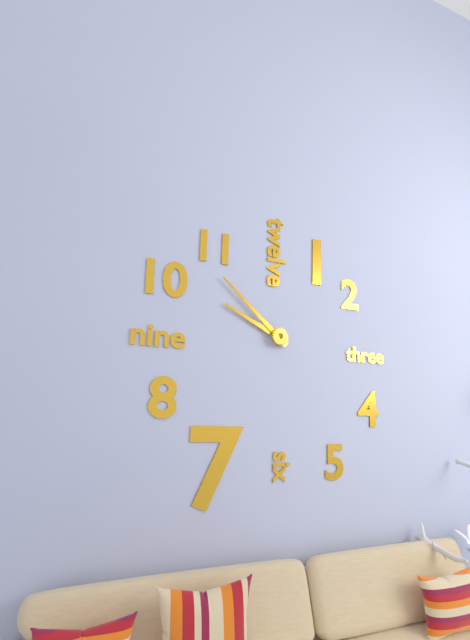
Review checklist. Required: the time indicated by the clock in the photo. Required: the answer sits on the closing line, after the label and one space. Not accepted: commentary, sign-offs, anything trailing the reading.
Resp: 9:52
